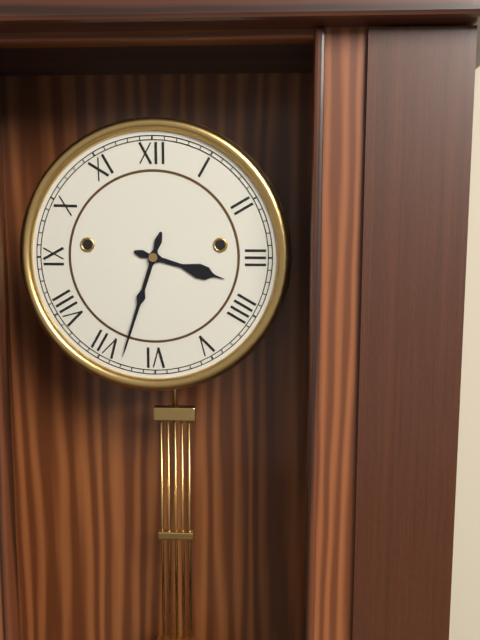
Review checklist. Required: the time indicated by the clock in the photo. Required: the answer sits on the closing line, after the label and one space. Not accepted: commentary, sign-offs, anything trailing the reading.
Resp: 3:33
